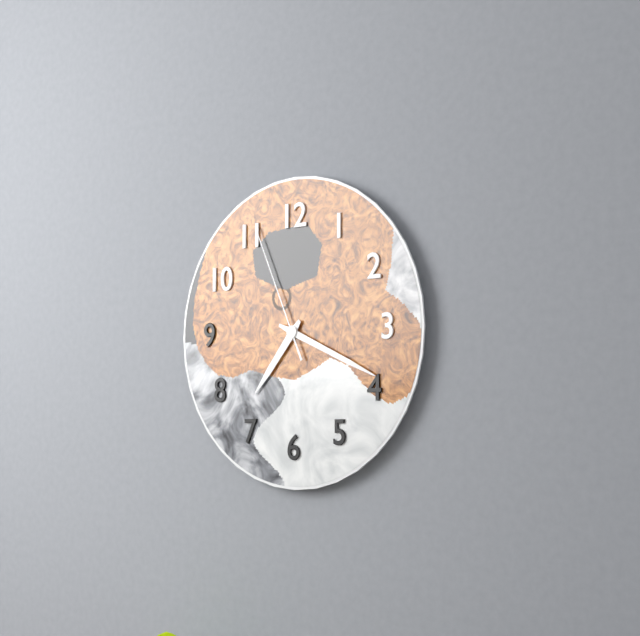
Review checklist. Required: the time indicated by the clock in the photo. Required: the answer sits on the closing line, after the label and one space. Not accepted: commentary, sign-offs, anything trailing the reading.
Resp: 7:19:56
